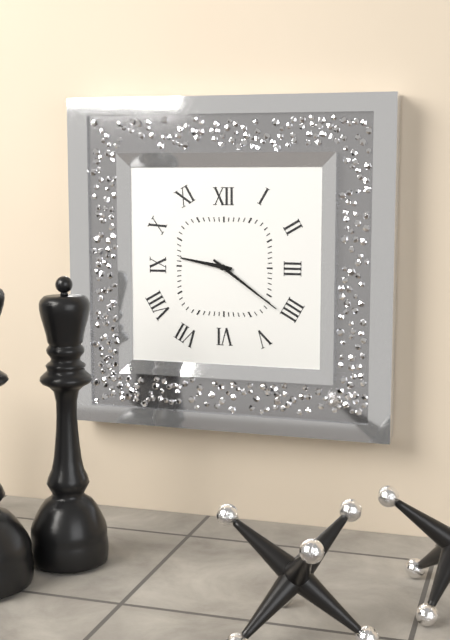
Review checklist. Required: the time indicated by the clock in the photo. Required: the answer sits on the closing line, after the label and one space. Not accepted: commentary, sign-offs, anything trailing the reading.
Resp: 9:21
